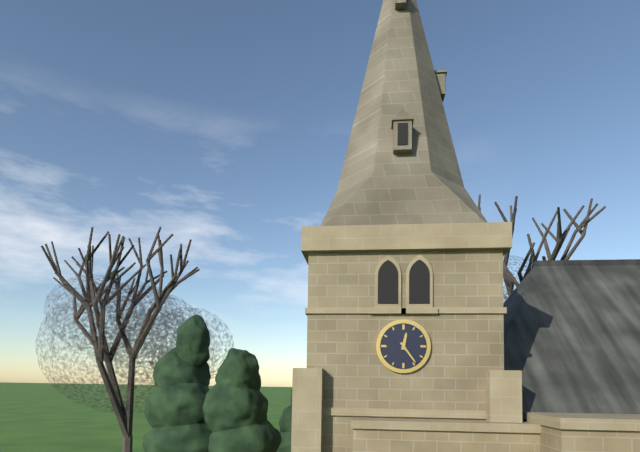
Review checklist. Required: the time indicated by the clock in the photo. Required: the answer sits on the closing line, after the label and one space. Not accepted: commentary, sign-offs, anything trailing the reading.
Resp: 12:24
